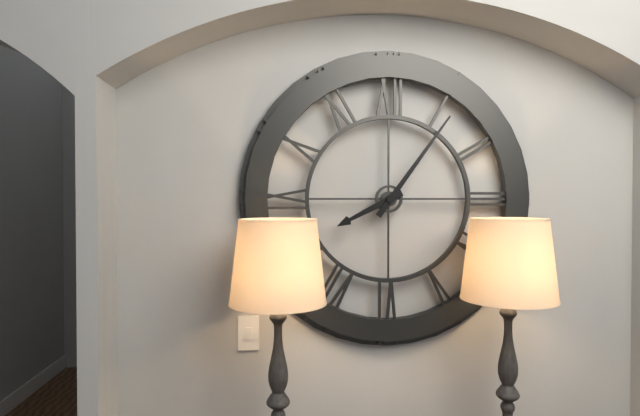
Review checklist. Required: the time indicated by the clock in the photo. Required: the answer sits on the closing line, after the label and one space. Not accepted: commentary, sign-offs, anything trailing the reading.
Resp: 8:06
